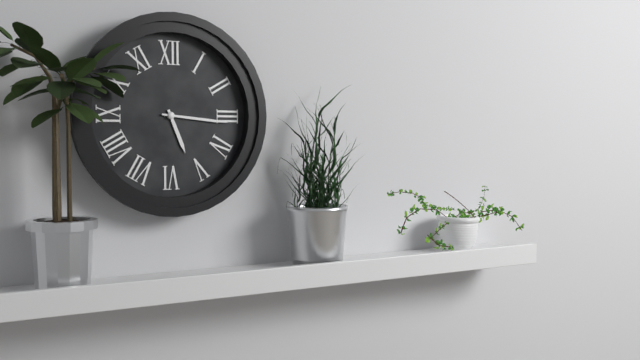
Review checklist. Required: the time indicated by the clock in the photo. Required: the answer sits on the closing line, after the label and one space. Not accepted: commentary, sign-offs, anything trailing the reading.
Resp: 5:16
